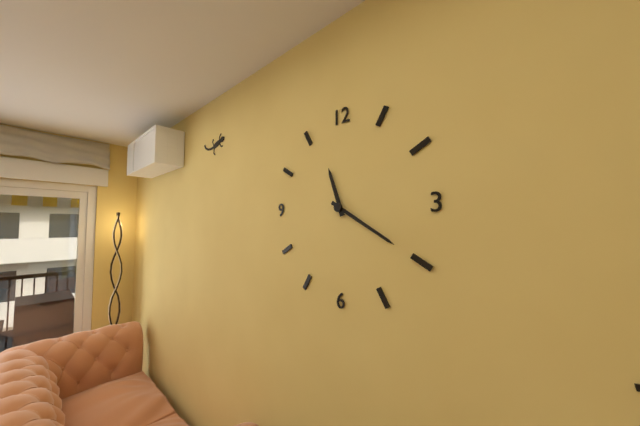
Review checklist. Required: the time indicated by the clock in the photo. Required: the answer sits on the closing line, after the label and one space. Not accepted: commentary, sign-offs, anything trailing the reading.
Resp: 11:20
